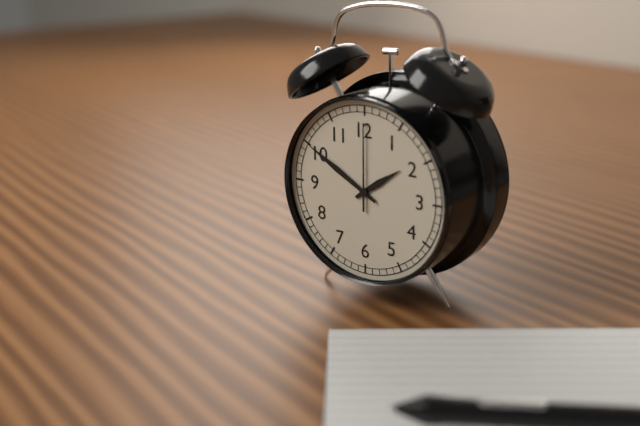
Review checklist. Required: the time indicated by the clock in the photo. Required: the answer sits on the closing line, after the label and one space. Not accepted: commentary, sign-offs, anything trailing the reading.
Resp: 1:50:00
